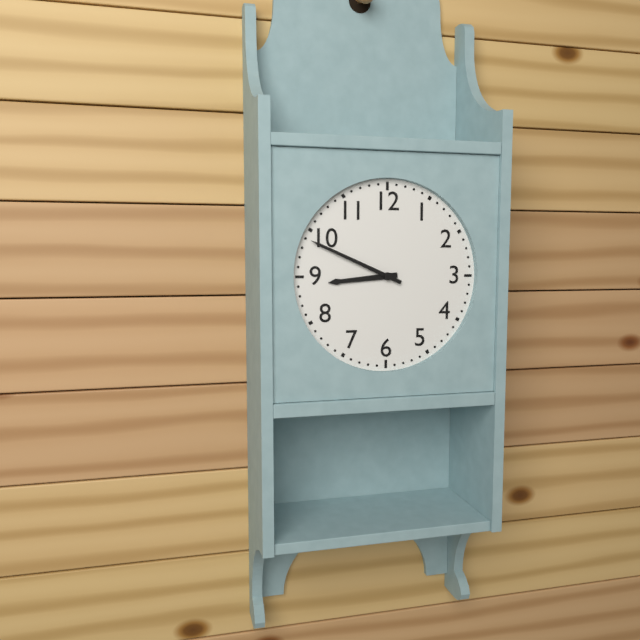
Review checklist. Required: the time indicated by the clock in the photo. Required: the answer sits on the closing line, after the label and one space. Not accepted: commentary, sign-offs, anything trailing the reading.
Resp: 8:49
